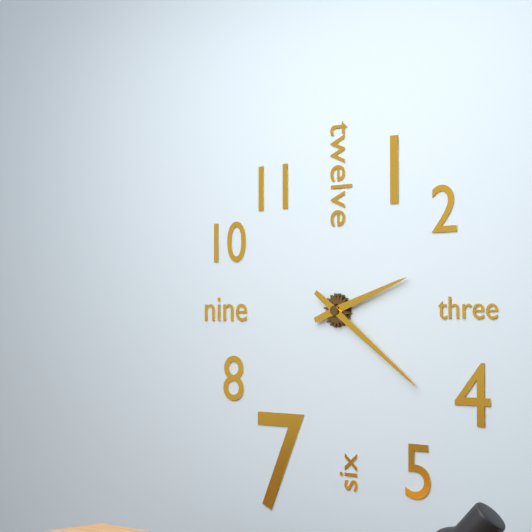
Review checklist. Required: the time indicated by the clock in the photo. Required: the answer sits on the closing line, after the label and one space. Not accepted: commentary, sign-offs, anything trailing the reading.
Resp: 2:21
